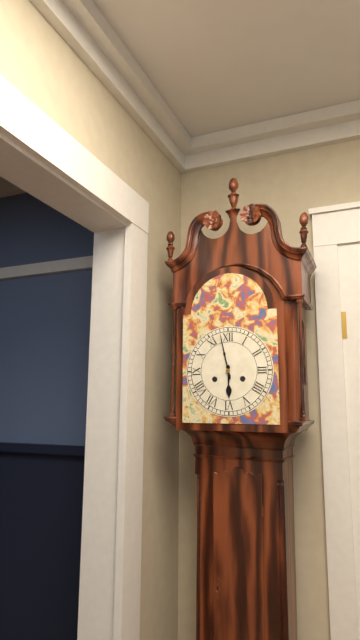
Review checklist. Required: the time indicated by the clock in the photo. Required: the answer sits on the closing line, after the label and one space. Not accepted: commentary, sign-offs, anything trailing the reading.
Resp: 5:58
